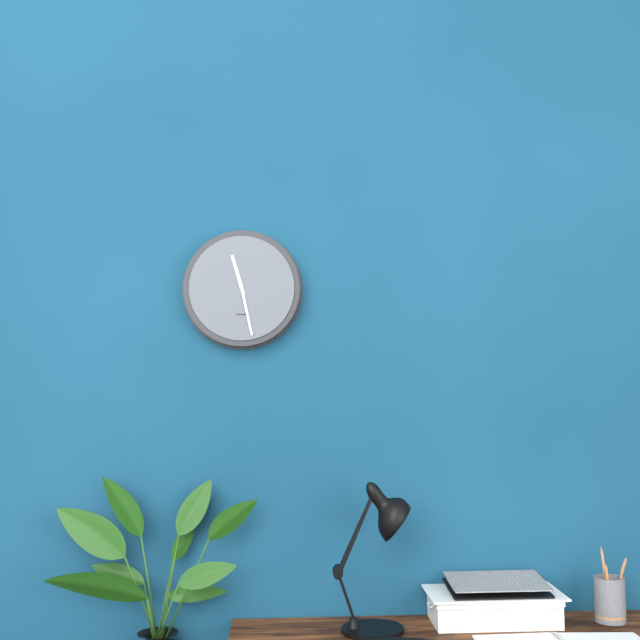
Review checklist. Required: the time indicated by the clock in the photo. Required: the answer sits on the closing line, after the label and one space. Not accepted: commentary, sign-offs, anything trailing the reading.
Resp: 11:28
